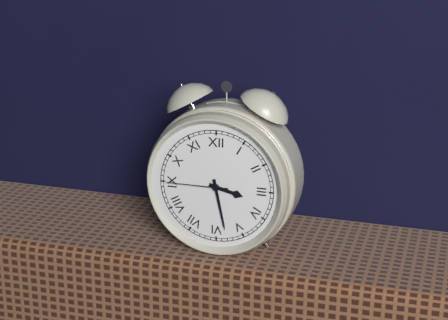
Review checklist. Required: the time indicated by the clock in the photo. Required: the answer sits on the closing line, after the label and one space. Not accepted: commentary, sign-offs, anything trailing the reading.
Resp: 3:28:45
